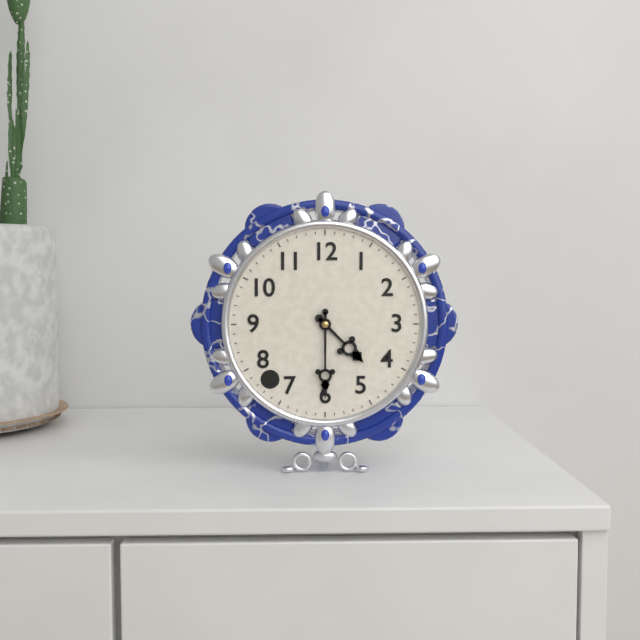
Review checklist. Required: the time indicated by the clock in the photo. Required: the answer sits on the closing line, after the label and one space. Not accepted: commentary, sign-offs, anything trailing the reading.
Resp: 4:30
